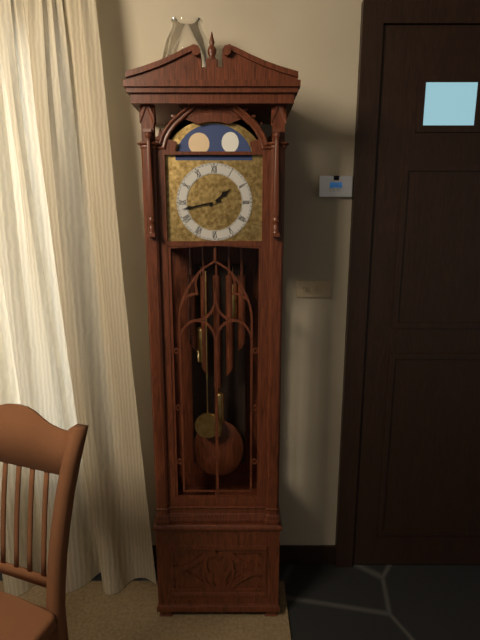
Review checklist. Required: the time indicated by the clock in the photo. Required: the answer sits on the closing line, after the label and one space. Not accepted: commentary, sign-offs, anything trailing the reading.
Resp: 1:43
